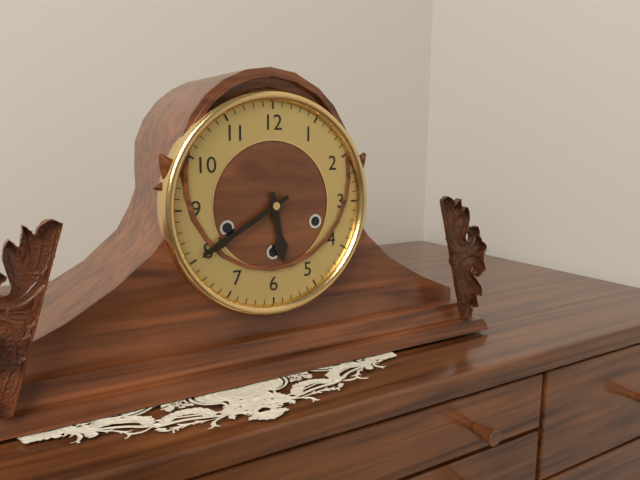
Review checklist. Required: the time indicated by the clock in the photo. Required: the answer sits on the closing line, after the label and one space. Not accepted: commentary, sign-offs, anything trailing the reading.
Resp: 5:40
